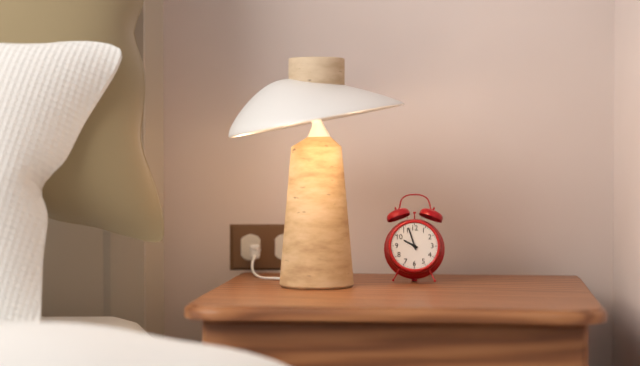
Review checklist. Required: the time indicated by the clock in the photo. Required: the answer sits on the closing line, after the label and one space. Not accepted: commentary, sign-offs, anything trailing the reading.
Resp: 9:57
